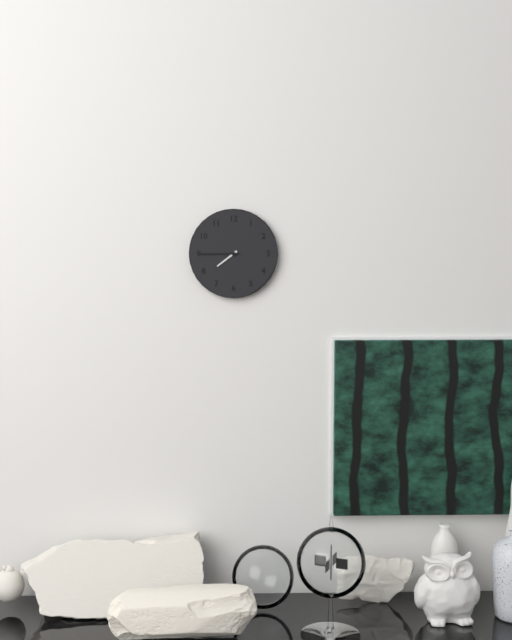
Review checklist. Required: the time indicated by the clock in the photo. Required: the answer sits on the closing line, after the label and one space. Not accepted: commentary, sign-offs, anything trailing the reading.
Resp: 7:45
